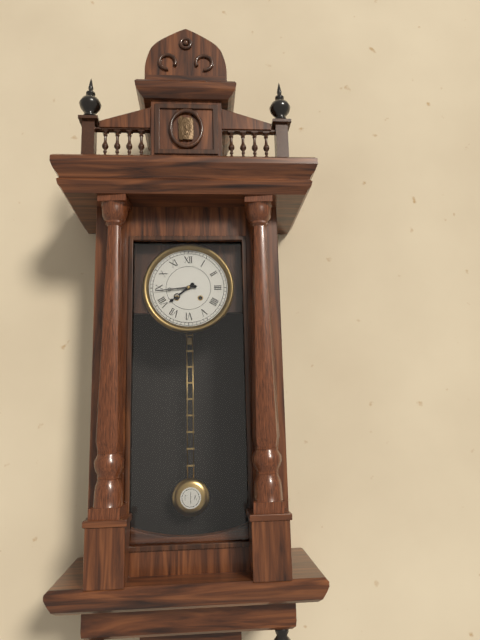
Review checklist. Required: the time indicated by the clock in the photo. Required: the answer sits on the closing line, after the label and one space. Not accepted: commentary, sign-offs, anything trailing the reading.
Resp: 7:44
